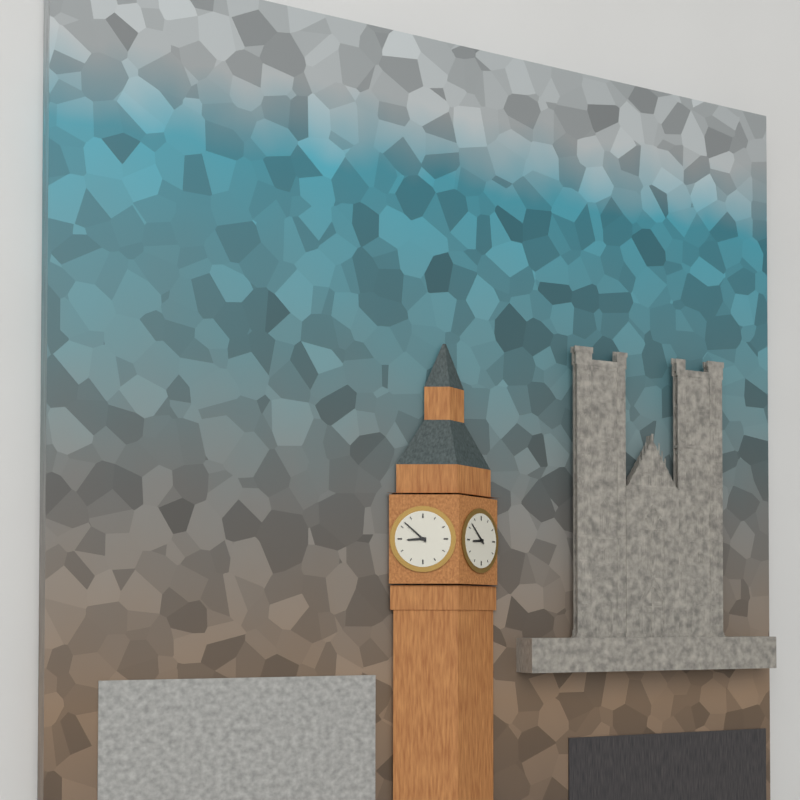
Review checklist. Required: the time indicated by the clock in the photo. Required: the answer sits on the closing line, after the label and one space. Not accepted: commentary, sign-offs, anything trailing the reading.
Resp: 8:52
